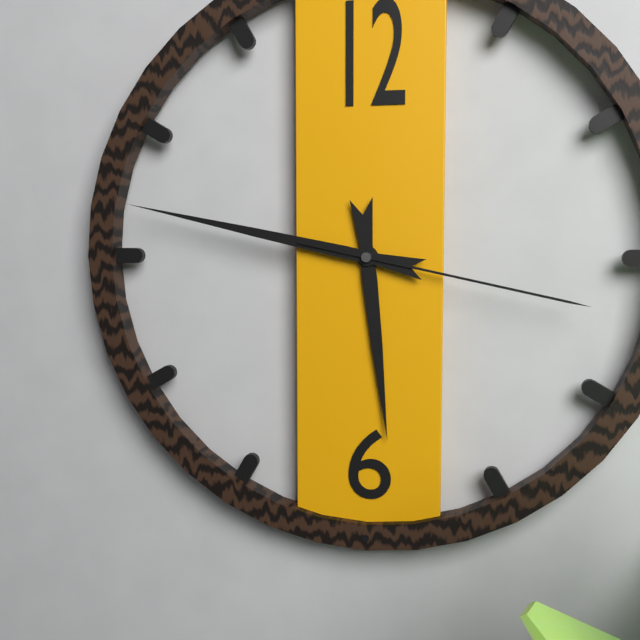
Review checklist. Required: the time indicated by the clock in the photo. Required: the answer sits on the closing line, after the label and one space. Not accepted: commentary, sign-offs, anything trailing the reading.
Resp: 5:47:17
